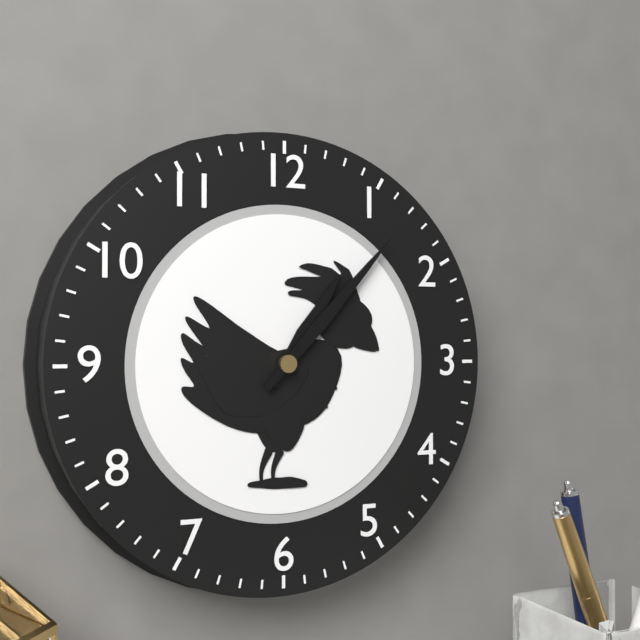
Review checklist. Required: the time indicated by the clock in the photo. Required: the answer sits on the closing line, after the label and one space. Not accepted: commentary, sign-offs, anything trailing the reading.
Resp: 1:07
